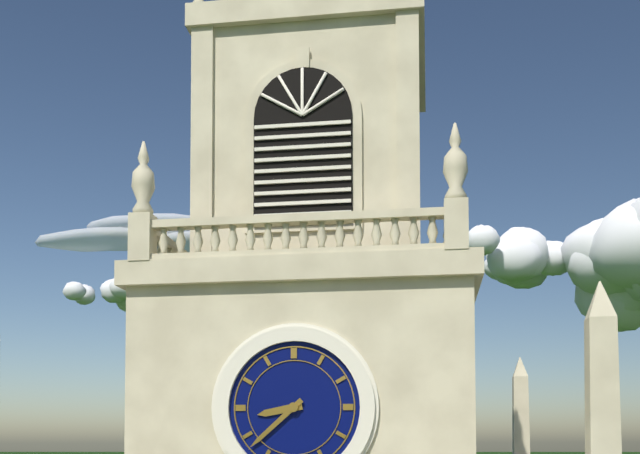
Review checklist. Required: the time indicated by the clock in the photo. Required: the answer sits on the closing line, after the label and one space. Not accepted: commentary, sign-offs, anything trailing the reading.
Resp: 8:38
